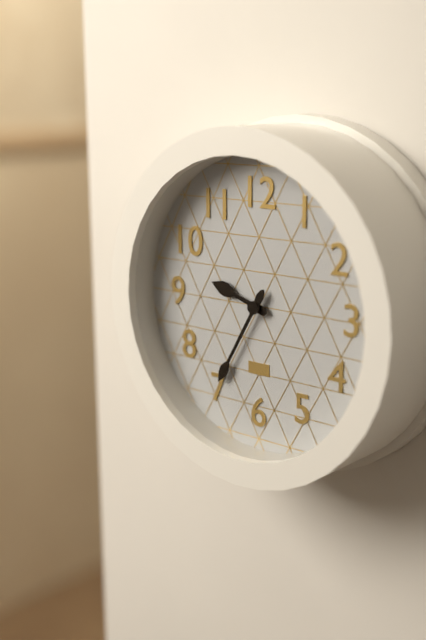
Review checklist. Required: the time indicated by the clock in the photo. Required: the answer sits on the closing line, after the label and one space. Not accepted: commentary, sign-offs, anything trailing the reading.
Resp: 9:35
